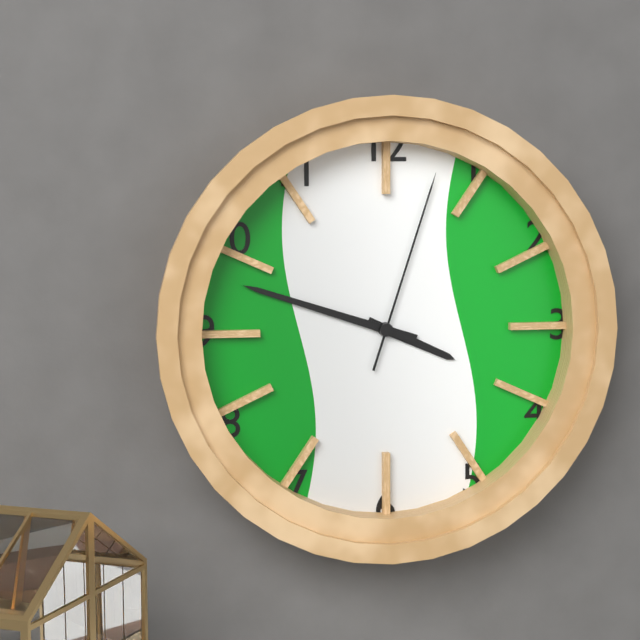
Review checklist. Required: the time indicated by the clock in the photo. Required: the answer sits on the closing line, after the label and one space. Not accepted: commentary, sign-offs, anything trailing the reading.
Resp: 3:48:03
